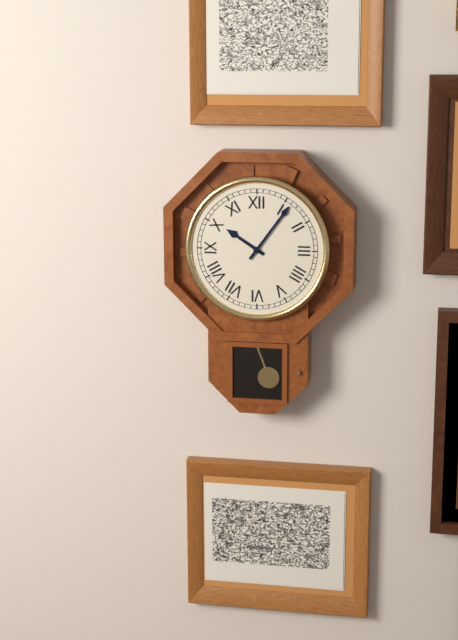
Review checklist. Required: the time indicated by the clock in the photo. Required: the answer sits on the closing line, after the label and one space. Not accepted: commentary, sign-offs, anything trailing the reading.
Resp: 10:06
